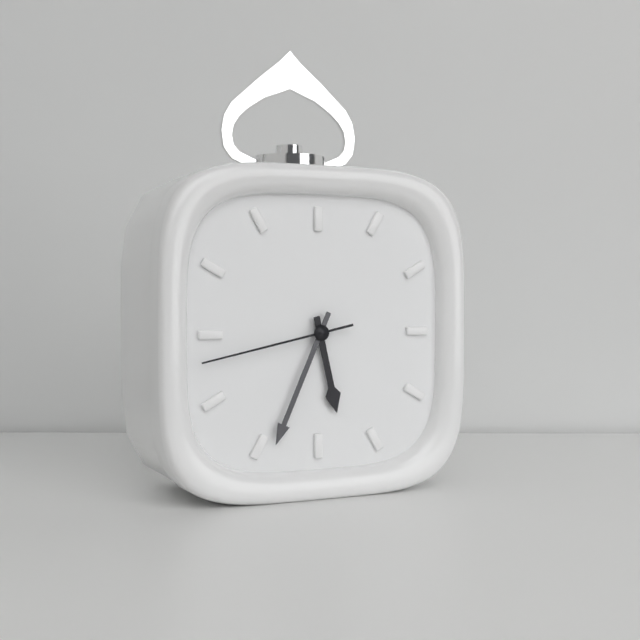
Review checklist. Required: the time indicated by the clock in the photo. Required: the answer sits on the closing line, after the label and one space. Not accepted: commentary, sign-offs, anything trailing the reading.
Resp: 5:34:43
